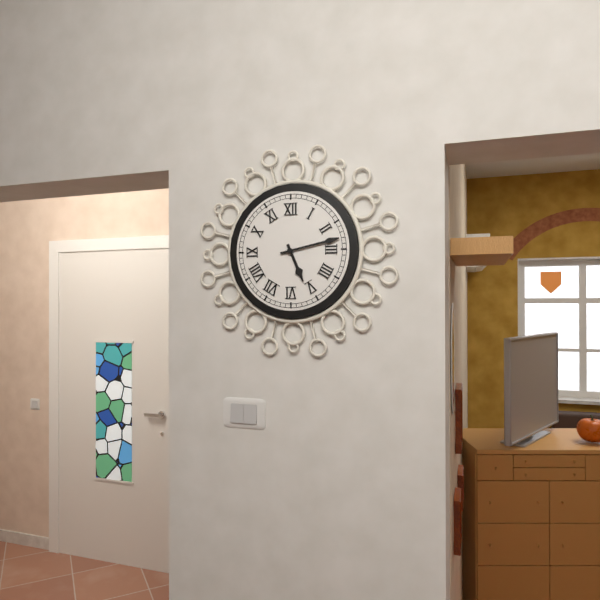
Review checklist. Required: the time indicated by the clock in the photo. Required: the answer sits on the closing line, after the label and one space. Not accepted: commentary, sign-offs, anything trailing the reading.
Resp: 5:13
